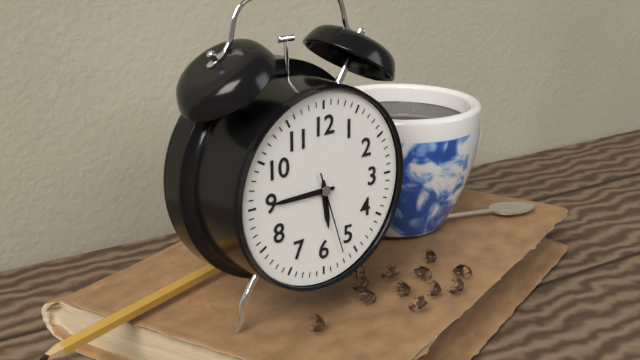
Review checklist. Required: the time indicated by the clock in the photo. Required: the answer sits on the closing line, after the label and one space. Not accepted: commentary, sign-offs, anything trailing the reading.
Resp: 5:45:27
